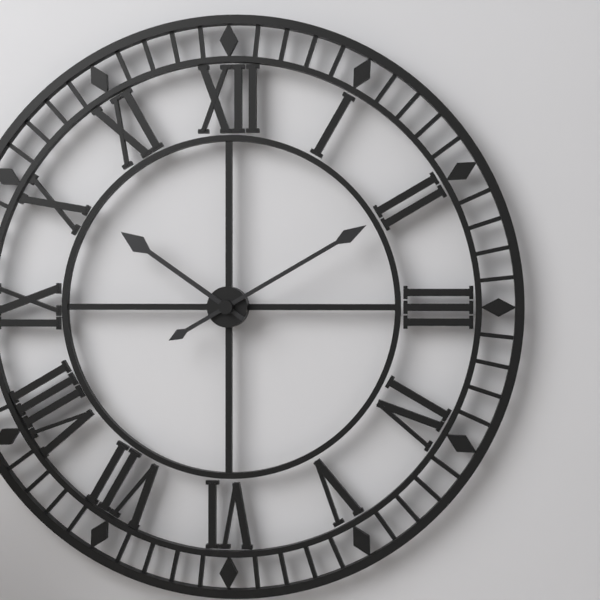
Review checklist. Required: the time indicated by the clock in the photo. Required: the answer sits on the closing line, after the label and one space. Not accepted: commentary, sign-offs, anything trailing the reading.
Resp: 10:10
